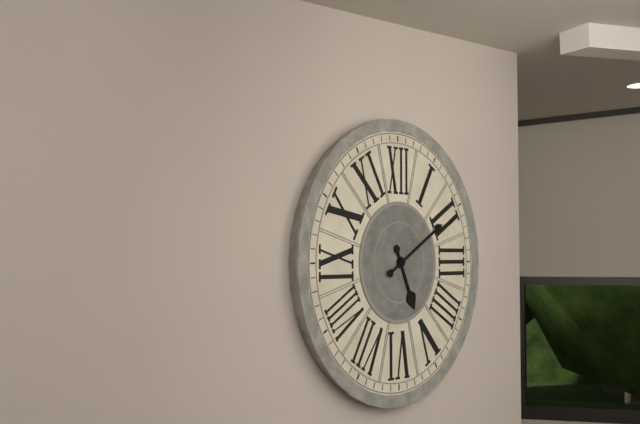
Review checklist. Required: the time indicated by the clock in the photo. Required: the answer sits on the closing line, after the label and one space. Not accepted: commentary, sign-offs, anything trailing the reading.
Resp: 5:10
